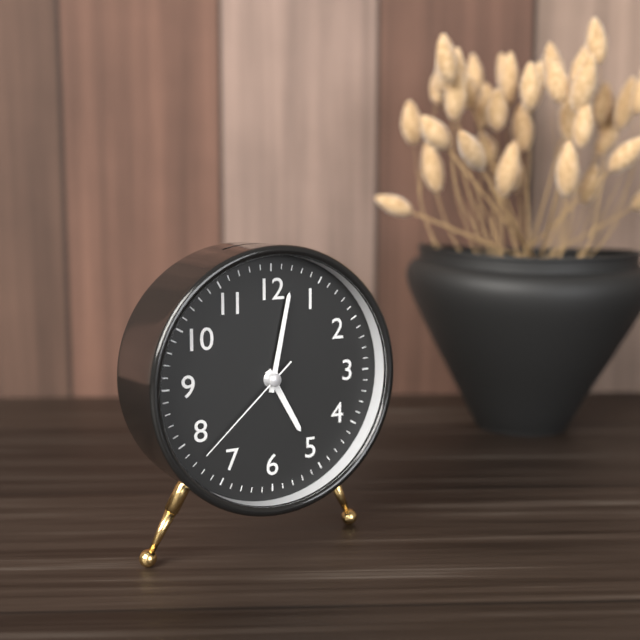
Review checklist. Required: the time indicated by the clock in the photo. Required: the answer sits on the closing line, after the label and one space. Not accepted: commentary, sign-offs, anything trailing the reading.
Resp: 5:02:38
